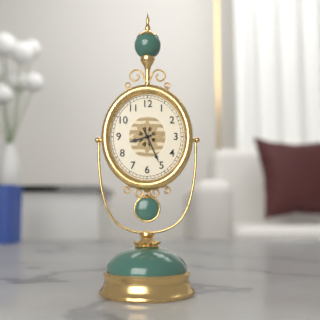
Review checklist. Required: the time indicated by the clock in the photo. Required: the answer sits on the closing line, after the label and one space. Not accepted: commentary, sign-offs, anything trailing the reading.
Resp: 8:26
